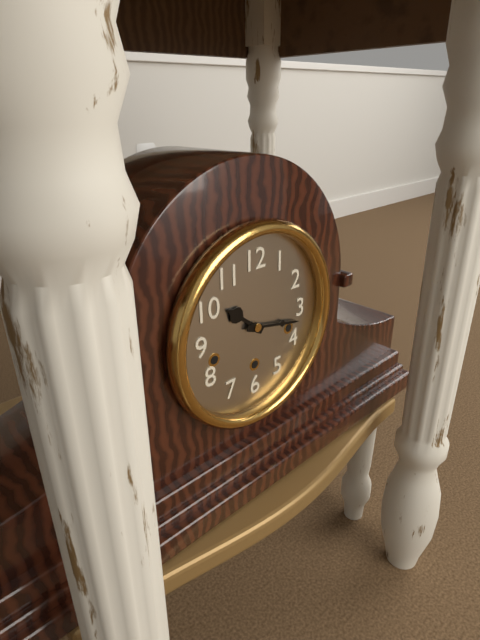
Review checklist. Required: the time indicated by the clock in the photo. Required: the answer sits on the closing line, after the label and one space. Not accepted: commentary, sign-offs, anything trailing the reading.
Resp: 10:17
